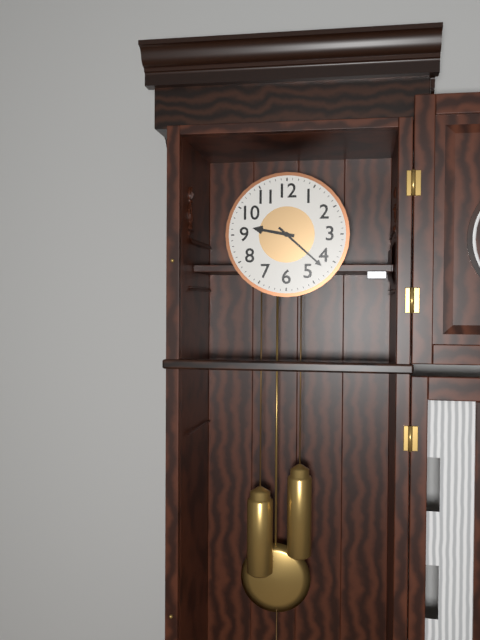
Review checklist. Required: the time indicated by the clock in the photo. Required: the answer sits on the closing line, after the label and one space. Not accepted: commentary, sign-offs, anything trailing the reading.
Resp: 9:22
